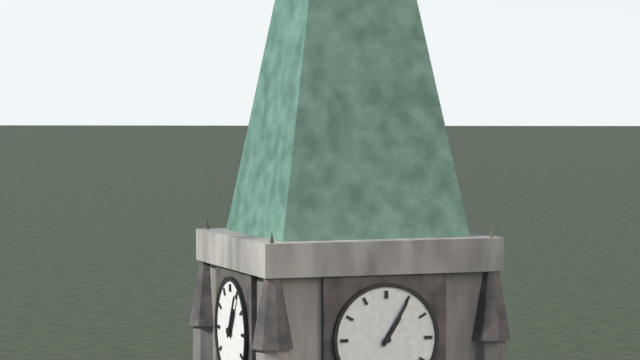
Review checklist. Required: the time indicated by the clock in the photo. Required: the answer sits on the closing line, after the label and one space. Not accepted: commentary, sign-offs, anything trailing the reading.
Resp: 1:05
